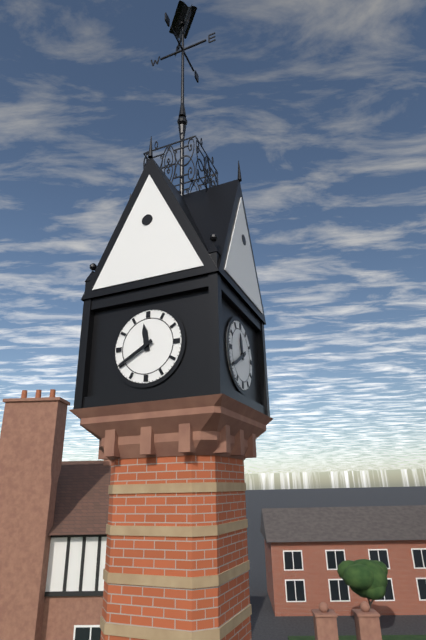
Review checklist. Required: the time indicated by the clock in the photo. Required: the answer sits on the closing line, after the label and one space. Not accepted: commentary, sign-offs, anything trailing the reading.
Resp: 11:40
